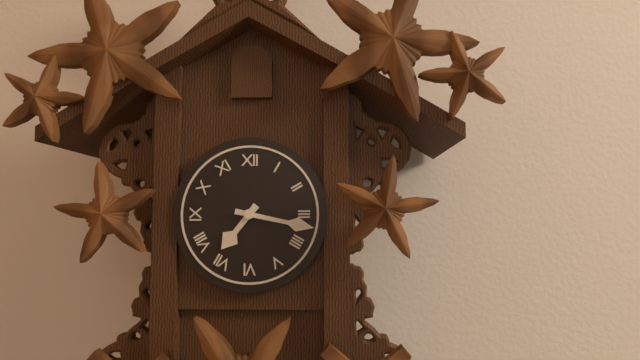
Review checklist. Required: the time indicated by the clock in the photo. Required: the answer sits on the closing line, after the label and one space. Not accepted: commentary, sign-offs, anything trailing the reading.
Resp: 7:17
